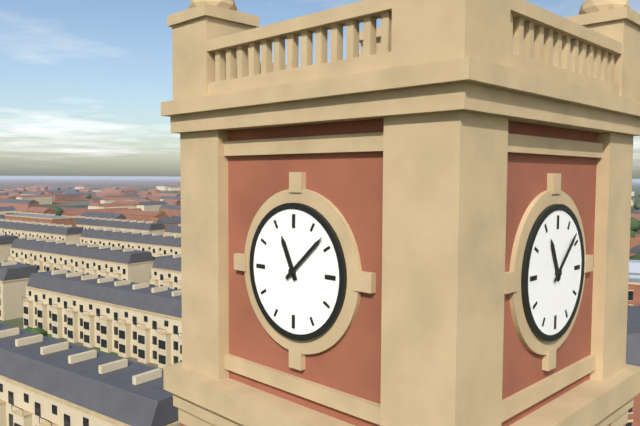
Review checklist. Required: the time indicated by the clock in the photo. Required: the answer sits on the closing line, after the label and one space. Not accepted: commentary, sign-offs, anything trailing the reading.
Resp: 11:08
